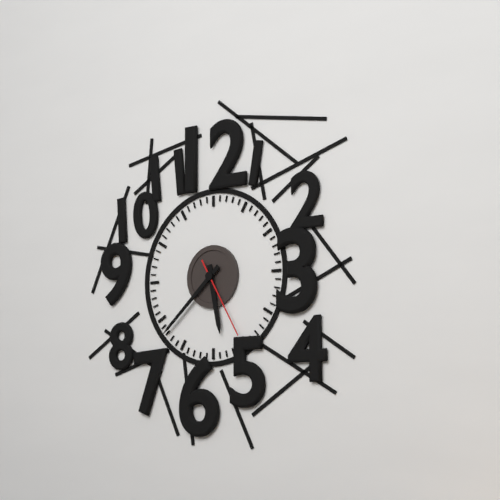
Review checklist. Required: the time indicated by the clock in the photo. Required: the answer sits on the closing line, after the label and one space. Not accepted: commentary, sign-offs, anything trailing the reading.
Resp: 5:38:25
